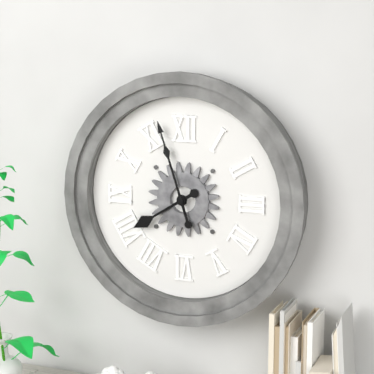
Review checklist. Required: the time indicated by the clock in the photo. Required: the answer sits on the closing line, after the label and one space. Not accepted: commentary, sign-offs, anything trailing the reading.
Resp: 7:57
